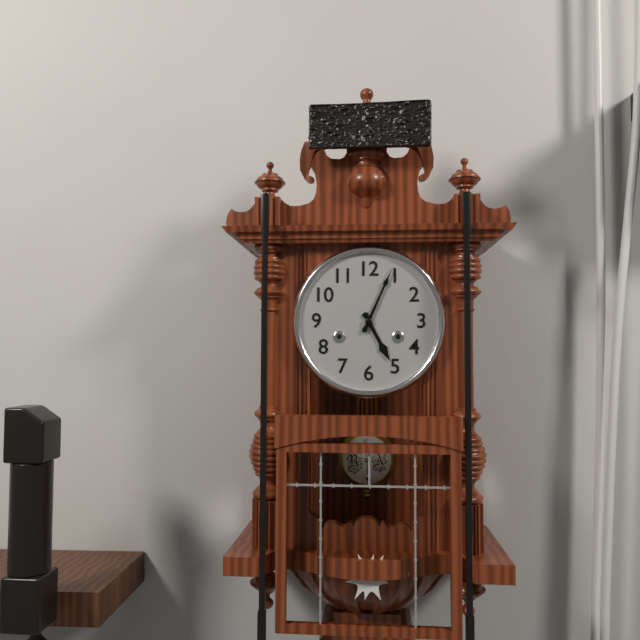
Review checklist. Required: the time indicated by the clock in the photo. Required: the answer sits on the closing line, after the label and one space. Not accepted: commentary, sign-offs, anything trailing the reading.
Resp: 5:04
